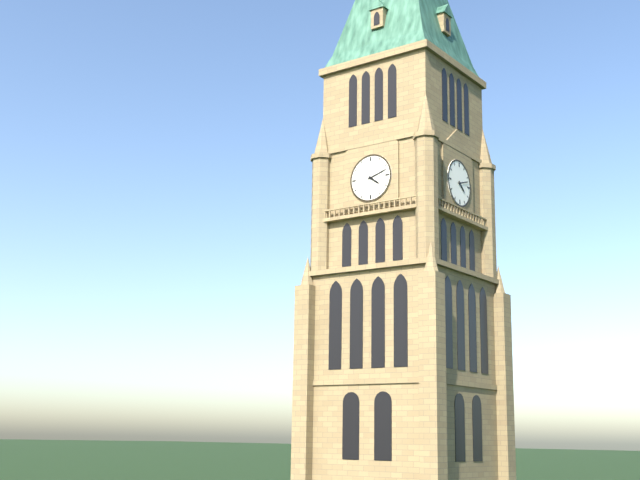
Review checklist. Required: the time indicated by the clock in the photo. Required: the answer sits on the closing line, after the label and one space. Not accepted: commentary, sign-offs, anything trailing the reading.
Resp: 4:12
